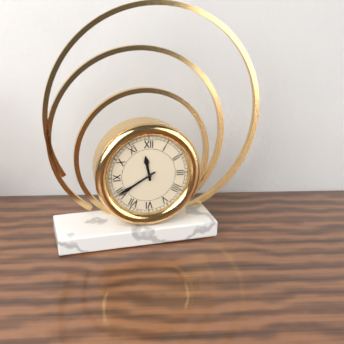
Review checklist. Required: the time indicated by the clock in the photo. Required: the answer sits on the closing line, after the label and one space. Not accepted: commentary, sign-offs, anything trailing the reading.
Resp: 11:40
